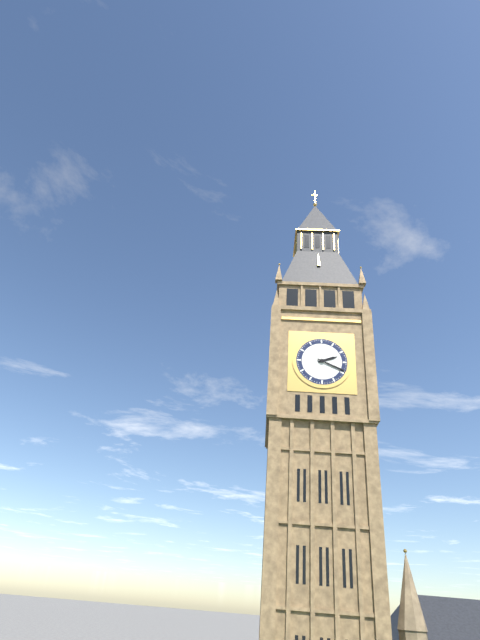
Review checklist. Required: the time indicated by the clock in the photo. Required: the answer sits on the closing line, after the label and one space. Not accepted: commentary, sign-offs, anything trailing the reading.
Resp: 2:19
